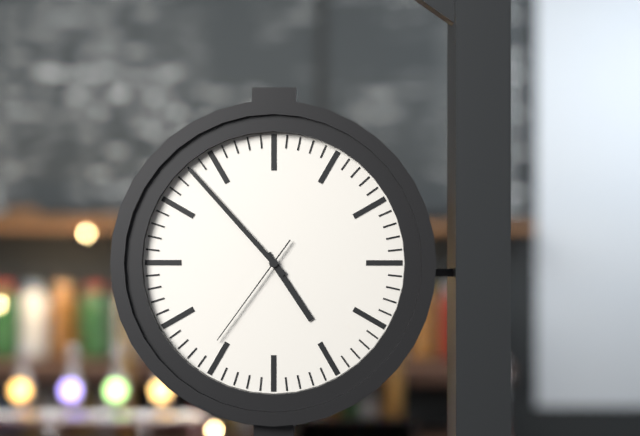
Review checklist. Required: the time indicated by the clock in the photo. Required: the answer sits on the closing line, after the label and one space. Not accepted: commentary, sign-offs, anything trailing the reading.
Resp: 4:53:36
